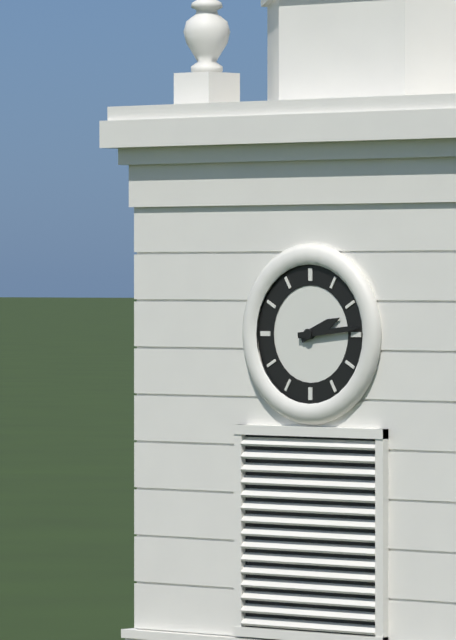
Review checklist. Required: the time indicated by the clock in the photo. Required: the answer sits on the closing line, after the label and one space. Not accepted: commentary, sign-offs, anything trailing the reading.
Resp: 2:14
